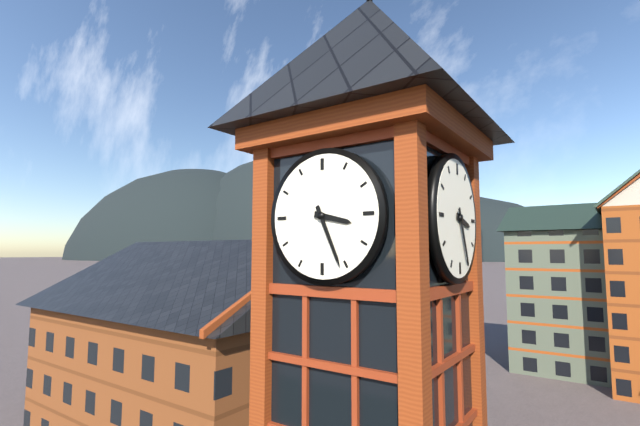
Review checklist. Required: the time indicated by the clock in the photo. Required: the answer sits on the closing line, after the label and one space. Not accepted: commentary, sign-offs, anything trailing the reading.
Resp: 3:26
